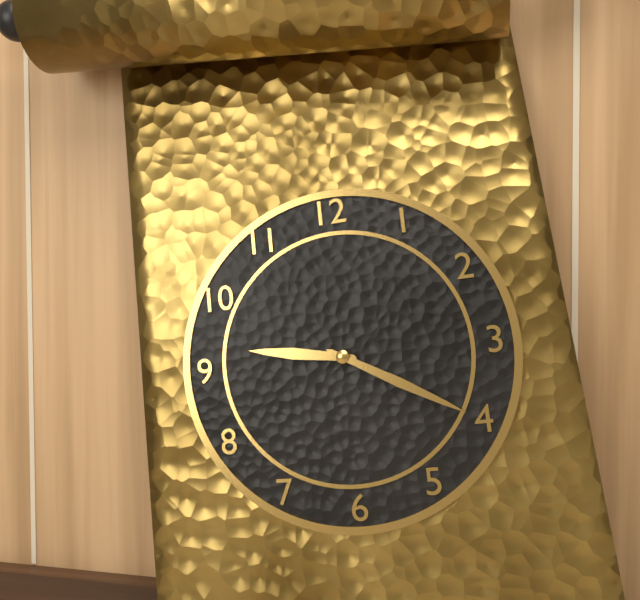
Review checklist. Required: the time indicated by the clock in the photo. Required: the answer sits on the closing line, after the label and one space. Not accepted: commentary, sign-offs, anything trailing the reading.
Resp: 9:20
